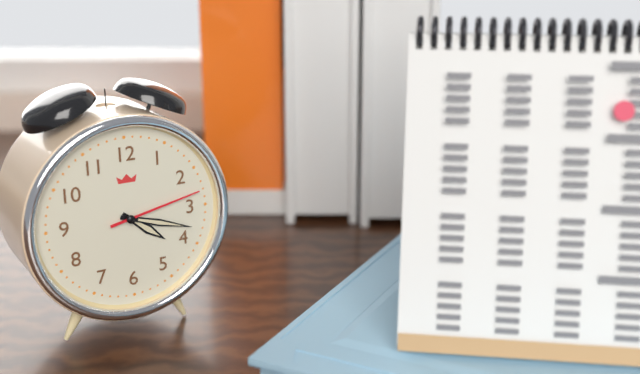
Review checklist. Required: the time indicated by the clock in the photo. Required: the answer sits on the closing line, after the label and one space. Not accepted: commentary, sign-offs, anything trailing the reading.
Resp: 4:18:13
